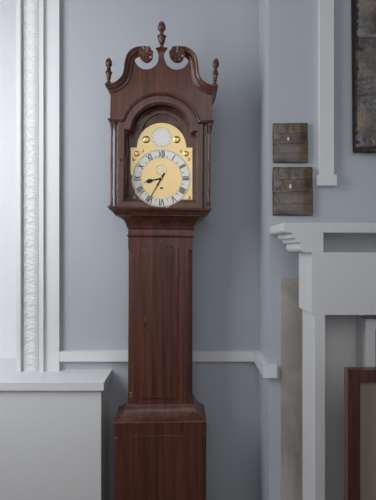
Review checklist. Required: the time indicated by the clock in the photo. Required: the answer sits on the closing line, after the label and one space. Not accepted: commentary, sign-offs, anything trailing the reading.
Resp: 8:35
